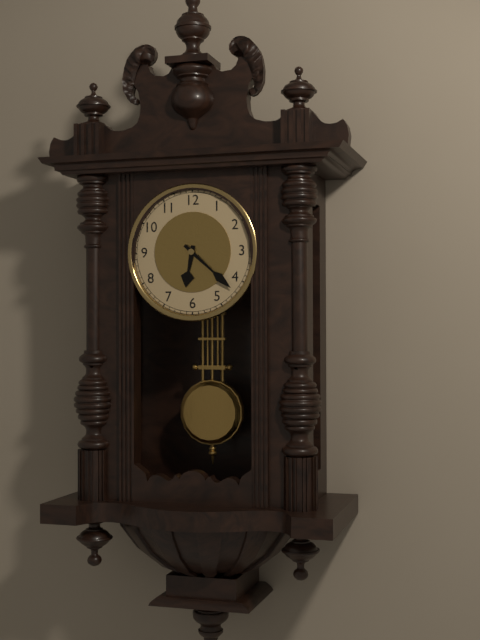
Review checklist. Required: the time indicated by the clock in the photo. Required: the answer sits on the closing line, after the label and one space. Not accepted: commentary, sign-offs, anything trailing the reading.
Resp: 6:22
